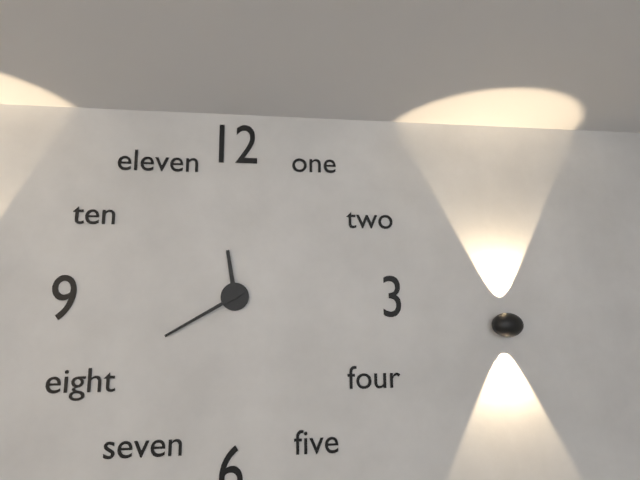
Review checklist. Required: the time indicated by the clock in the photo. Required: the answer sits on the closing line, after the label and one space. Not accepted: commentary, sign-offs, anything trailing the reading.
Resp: 11:40
